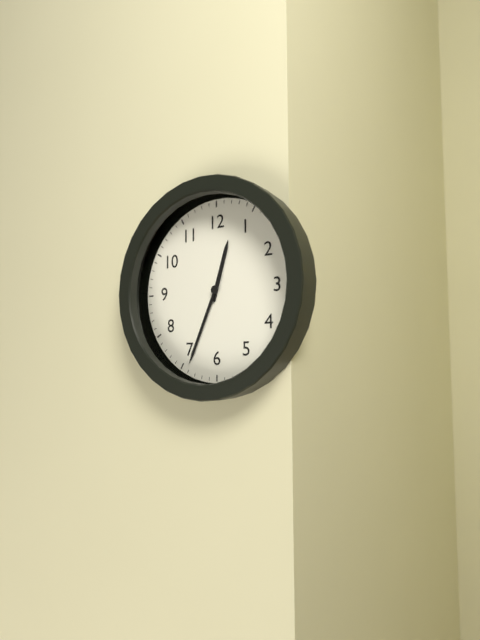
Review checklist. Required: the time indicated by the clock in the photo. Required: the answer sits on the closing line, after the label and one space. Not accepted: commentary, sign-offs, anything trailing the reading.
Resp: 12:34
